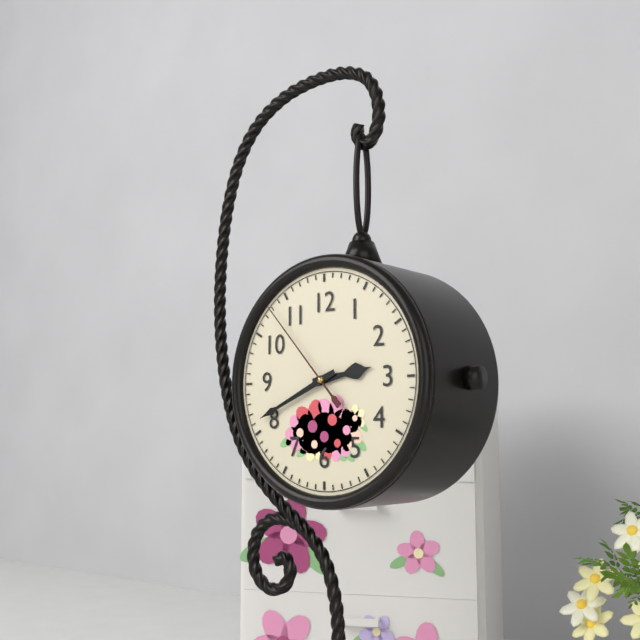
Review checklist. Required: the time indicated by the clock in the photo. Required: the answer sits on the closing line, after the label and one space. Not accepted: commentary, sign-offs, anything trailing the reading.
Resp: 2:41:53
